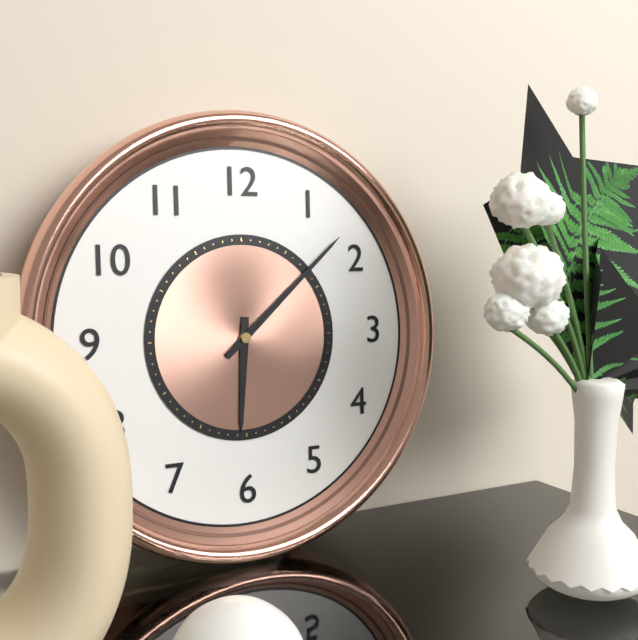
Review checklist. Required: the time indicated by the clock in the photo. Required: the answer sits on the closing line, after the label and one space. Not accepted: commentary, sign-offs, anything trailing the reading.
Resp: 6:08
